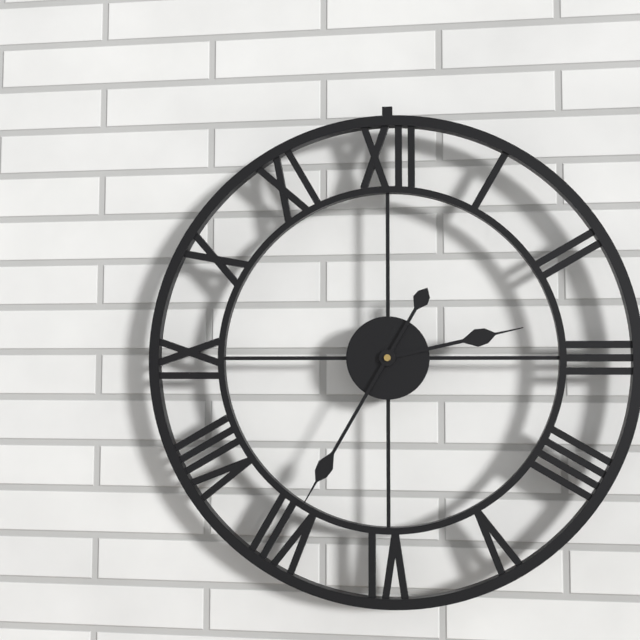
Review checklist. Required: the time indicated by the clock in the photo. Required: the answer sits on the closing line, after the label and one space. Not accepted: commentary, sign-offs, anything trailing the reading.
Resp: 2:35
